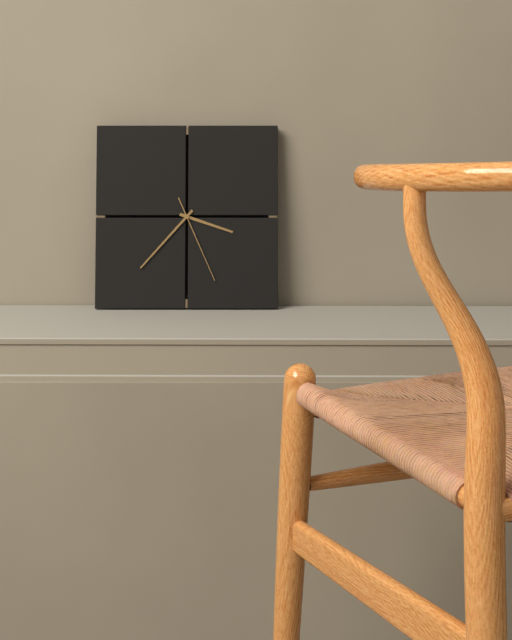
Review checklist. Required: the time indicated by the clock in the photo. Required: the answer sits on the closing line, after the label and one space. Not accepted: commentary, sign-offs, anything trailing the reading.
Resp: 3:37:26
